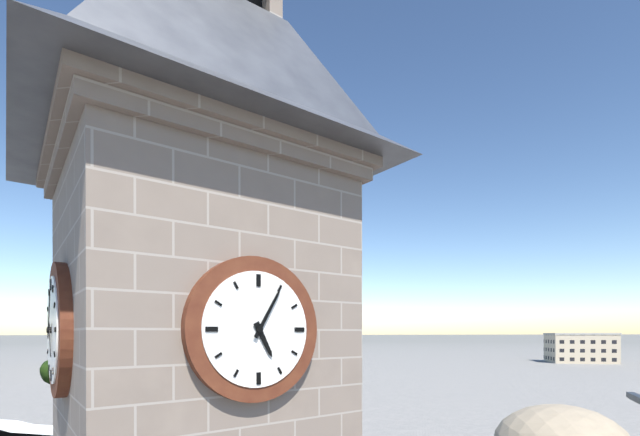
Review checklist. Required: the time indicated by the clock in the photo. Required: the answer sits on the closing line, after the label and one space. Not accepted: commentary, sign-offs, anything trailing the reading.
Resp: 5:05
